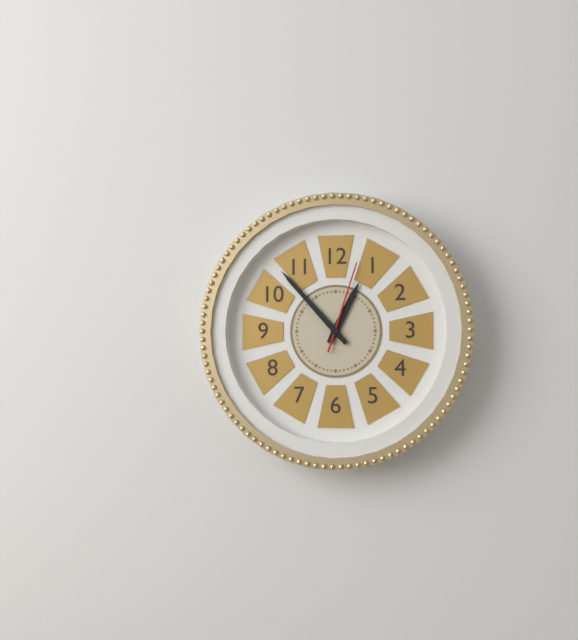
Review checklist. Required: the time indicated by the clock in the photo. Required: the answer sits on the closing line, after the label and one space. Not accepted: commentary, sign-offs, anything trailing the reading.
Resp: 12:53:03
